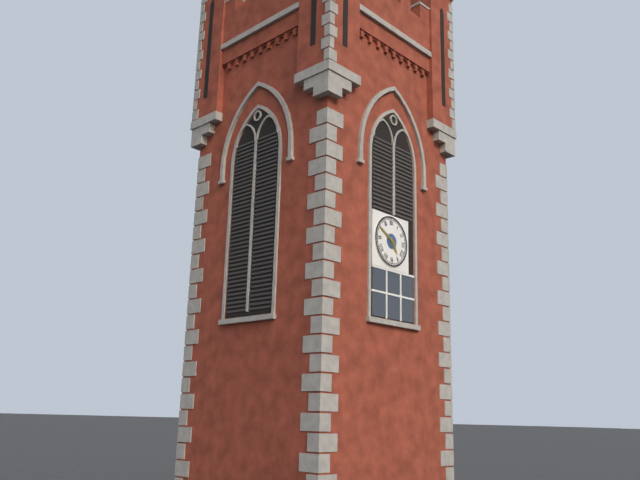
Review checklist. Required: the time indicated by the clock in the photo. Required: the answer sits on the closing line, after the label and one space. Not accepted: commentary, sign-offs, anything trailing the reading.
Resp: 4:50
